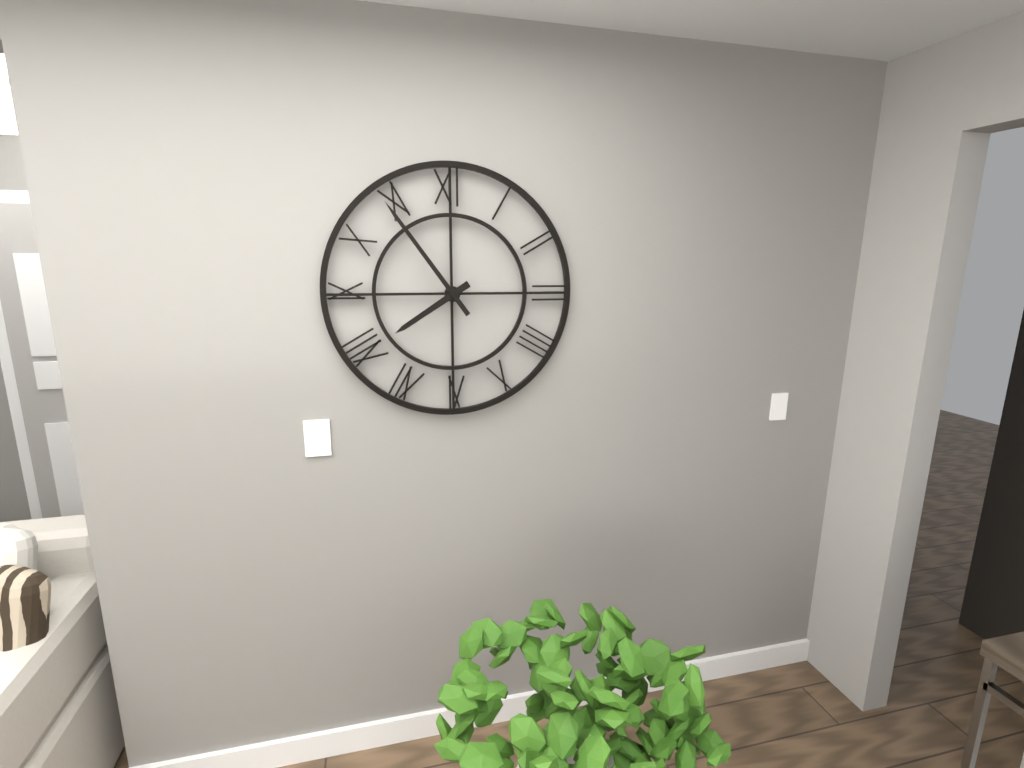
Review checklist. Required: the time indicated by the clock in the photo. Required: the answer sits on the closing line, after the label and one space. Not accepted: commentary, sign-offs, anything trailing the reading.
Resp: 7:54
